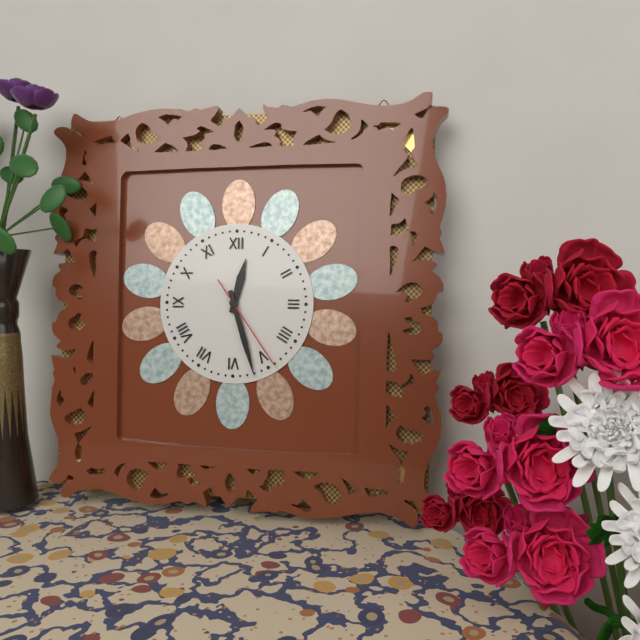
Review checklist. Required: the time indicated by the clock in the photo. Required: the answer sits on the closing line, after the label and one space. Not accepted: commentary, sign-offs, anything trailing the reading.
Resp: 12:27:24
